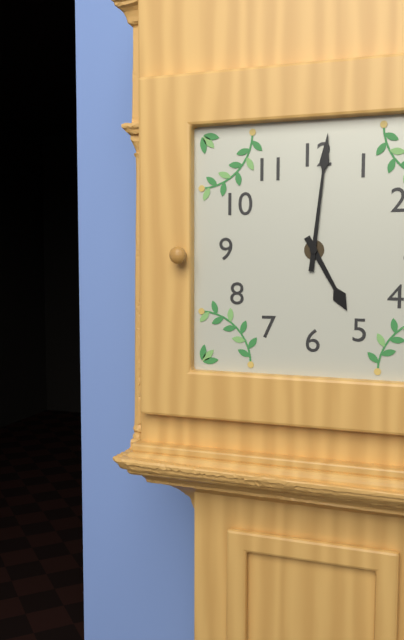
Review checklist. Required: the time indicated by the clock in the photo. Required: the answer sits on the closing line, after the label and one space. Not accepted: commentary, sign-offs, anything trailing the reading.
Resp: 5:01
